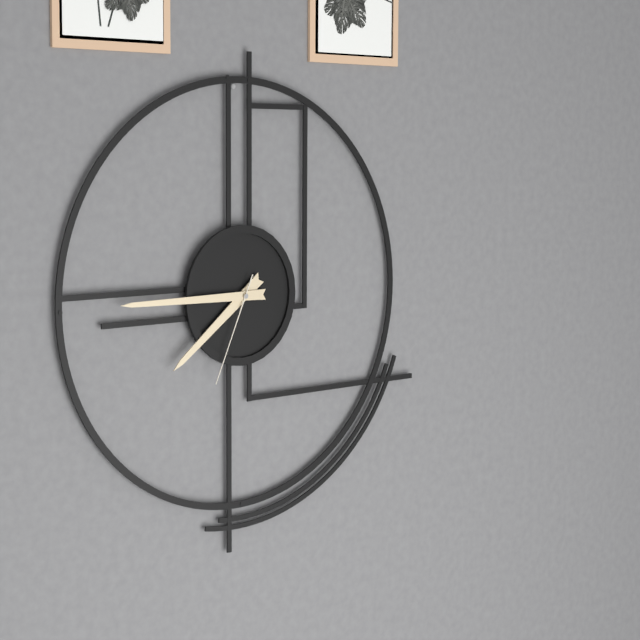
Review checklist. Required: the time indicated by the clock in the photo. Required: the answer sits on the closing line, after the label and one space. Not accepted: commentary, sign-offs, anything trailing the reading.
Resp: 7:45:34
